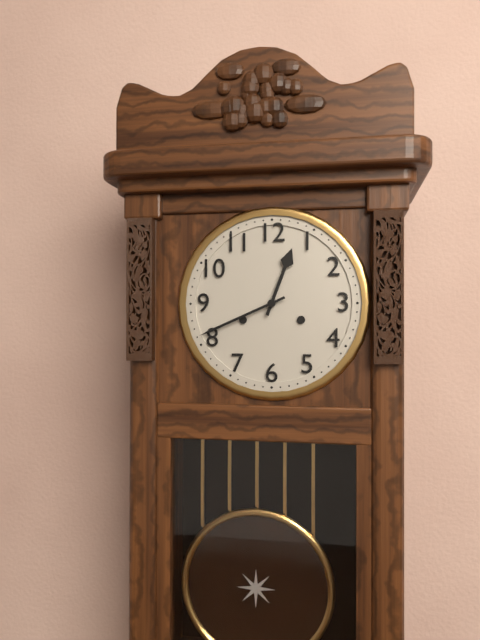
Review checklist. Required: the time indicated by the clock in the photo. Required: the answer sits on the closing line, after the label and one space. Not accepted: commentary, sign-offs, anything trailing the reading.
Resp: 12:41
